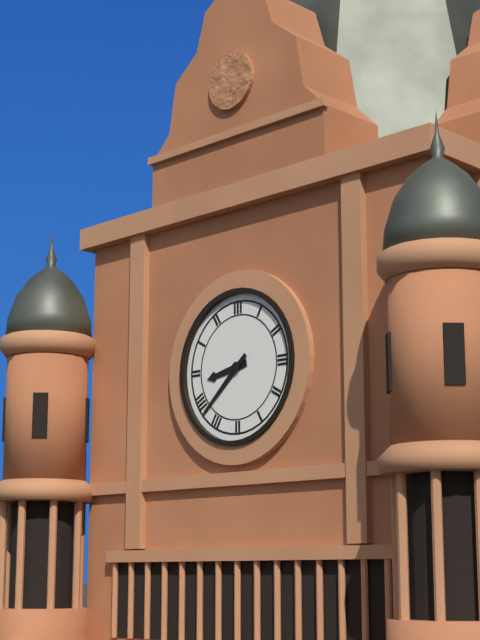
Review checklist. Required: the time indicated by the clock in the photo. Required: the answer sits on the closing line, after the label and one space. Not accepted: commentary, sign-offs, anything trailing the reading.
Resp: 8:38
